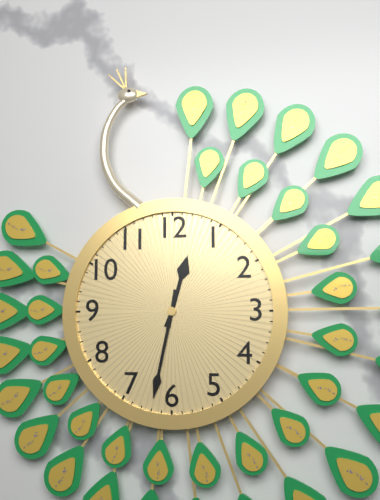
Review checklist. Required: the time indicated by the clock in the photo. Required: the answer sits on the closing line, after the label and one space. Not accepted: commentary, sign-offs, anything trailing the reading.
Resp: 12:32
